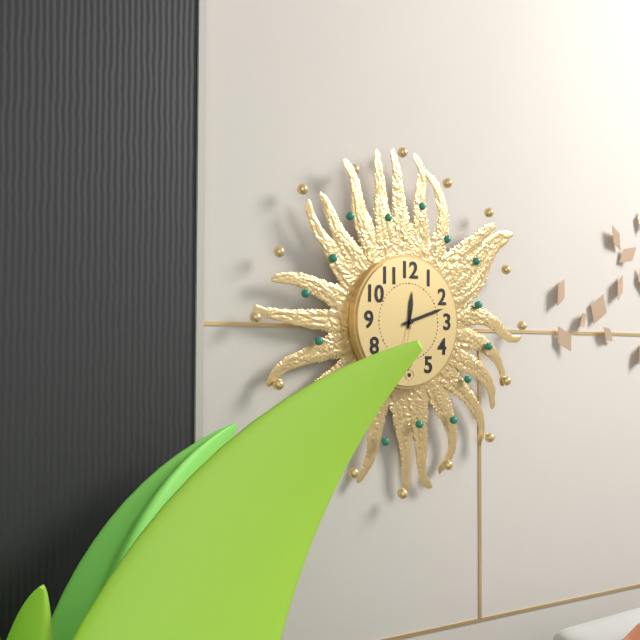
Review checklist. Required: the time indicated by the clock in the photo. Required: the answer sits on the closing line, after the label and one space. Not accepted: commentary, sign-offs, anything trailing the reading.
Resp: 12:12
